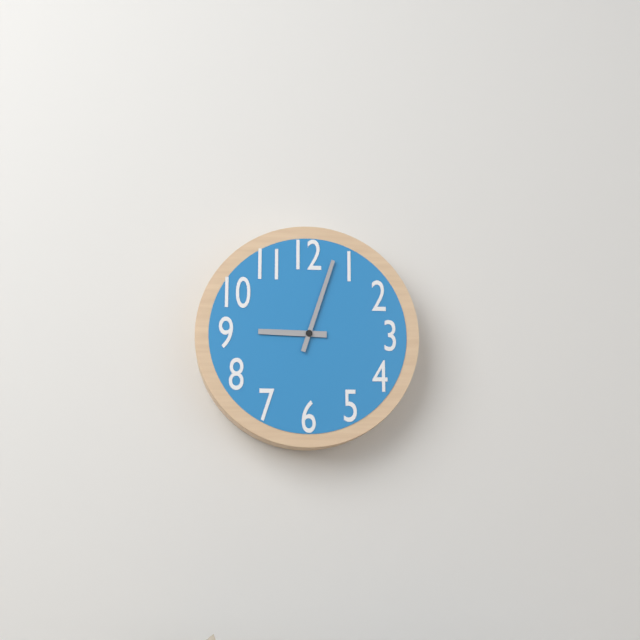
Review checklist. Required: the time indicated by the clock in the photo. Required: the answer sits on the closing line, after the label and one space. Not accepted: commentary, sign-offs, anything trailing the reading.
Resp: 9:03
